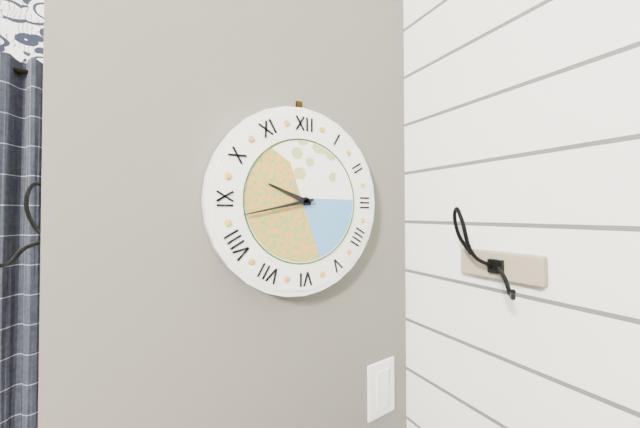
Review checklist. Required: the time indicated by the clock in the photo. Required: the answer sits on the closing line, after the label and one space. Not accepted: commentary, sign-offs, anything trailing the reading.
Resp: 9:43
